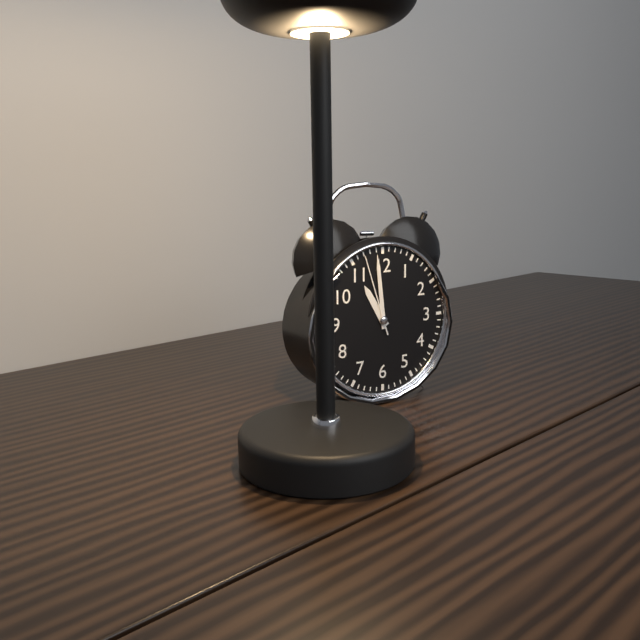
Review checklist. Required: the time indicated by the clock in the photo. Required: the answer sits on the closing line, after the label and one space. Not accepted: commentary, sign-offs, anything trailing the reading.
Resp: 10:59:57
